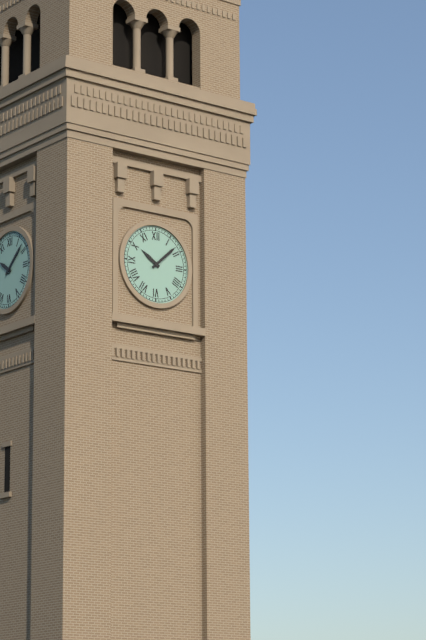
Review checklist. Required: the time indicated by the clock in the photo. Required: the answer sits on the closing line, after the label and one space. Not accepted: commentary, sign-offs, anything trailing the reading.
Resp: 10:08
